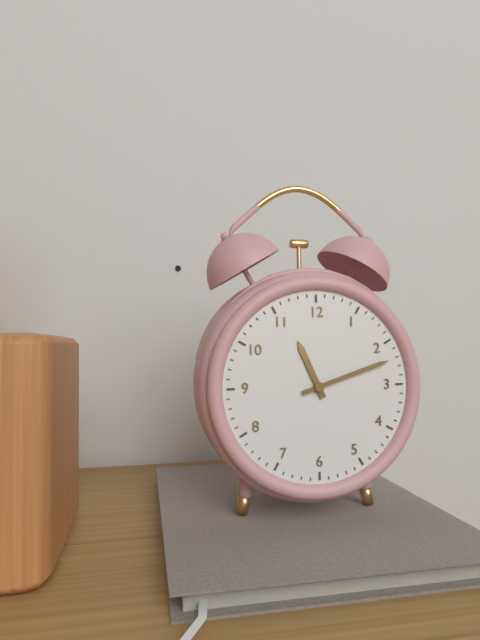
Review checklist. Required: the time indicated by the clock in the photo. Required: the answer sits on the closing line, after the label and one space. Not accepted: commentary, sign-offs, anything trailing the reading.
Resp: 11:12
